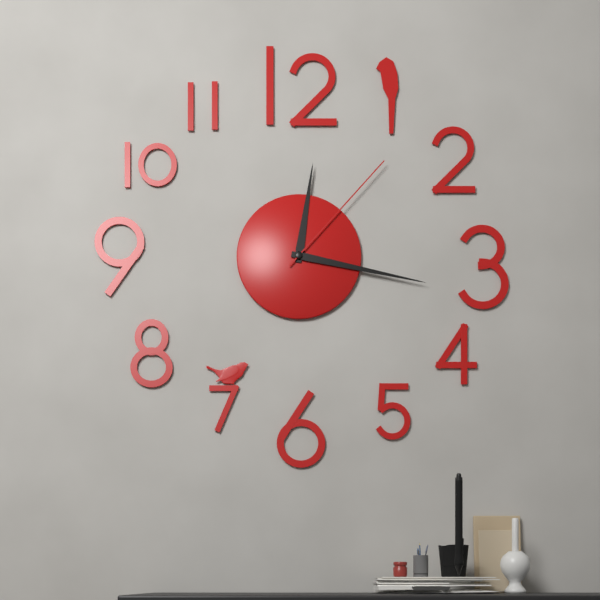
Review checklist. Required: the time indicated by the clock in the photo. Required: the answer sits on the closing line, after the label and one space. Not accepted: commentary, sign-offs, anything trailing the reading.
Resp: 12:17:07
